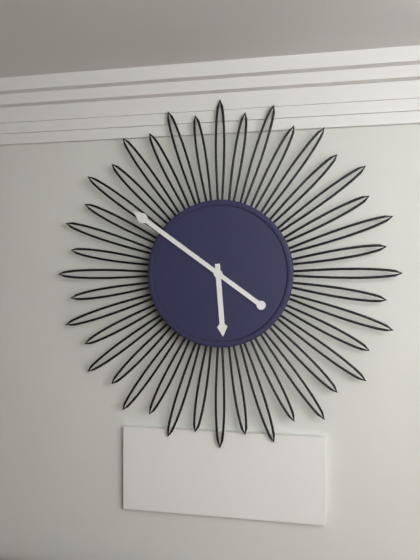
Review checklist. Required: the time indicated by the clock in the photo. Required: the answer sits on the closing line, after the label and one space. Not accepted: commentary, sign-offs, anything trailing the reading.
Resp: 5:51
